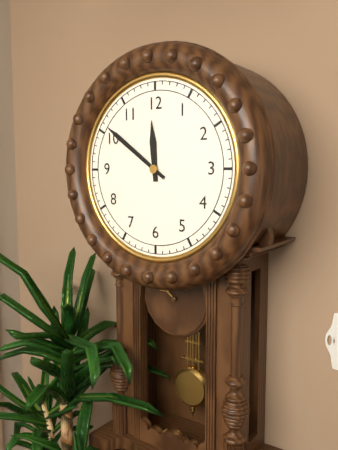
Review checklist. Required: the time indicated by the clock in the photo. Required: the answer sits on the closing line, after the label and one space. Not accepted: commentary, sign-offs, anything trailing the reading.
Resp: 11:51
